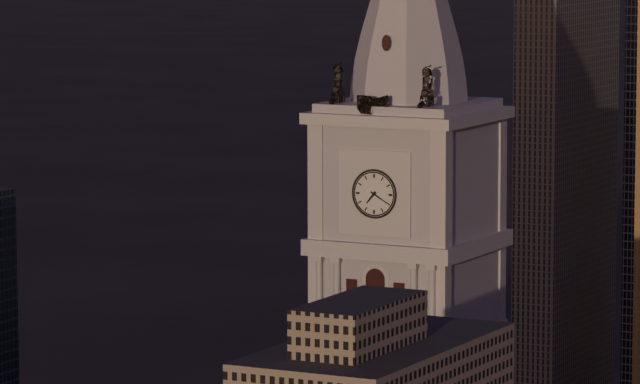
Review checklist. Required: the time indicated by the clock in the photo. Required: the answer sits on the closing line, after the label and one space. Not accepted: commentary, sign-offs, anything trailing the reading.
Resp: 7:20
